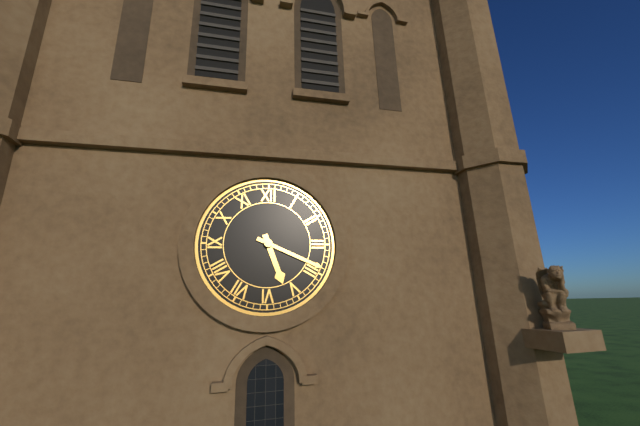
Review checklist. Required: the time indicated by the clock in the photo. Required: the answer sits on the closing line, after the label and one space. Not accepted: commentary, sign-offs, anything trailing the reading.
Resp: 5:19
